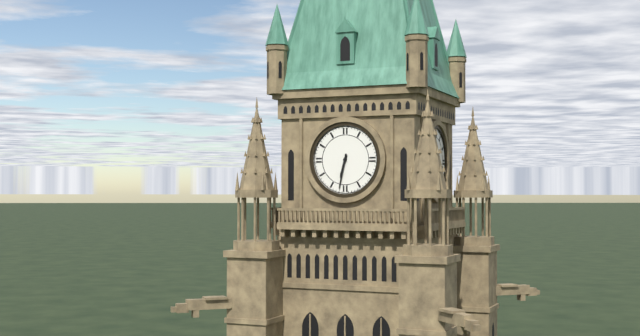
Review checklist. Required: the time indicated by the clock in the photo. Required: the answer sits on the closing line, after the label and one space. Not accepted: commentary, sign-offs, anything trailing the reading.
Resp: 6:32
